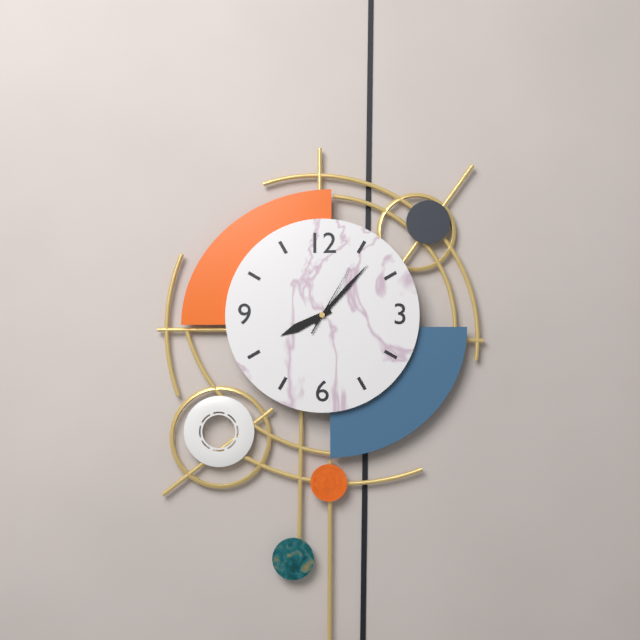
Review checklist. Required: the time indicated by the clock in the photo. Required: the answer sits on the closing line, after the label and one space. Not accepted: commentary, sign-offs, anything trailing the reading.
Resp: 8:07:05
